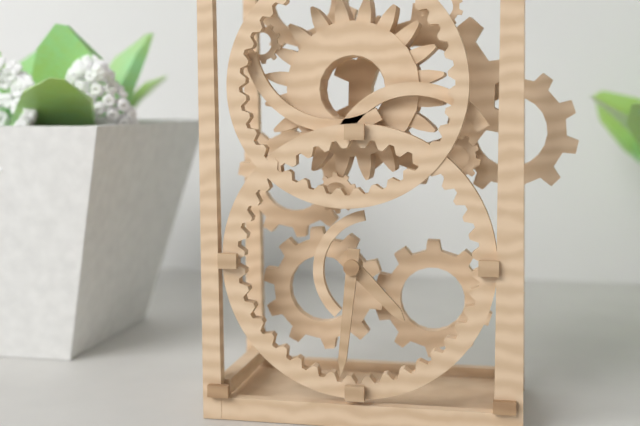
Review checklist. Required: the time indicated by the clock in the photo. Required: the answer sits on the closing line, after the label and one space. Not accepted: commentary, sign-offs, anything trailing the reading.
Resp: 4:31
